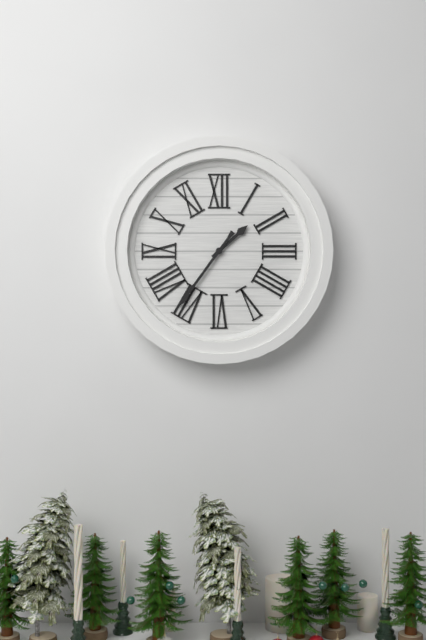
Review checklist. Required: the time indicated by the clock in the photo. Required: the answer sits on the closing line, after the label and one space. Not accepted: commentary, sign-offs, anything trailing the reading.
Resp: 1:36
